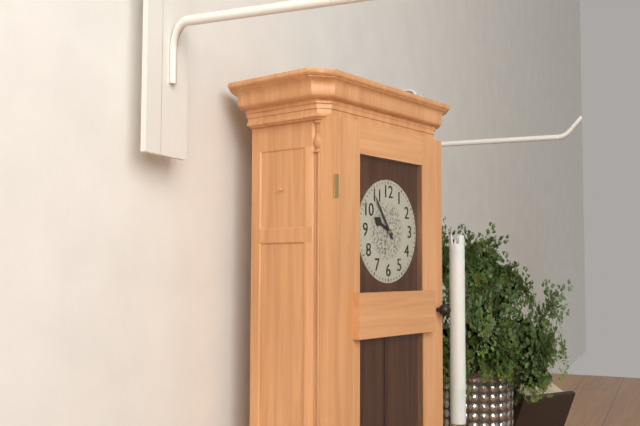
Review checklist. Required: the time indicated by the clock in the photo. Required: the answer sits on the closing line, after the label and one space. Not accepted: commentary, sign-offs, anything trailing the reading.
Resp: 9:54
